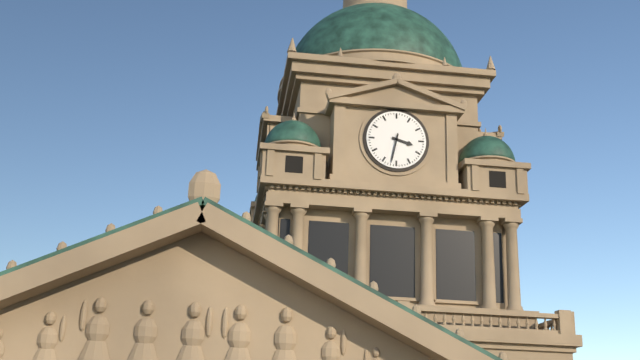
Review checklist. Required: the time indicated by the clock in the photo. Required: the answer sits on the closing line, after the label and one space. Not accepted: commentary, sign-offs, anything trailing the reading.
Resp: 3:32
